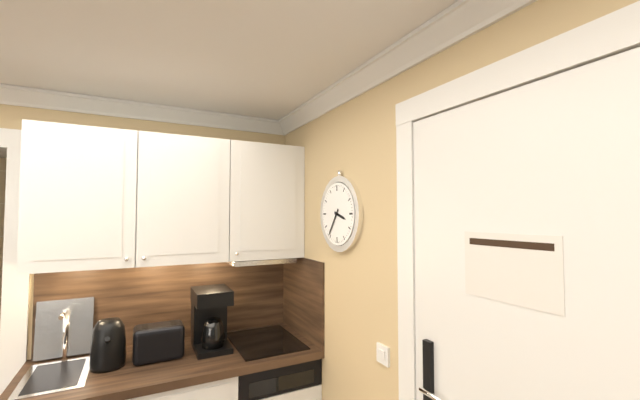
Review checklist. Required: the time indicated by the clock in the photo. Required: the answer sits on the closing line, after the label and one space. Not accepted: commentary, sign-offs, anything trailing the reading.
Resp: 3:36
